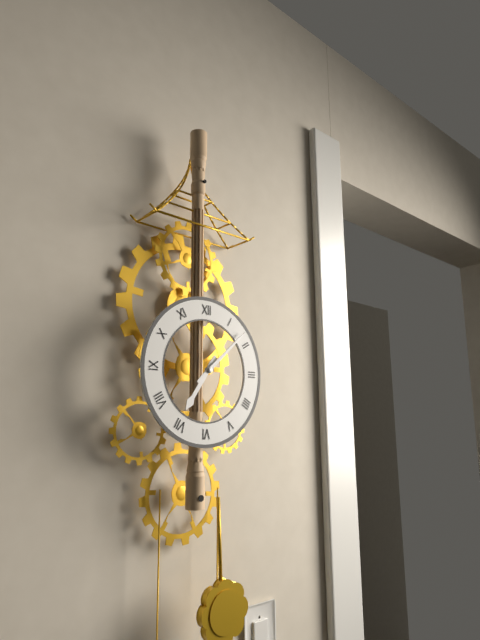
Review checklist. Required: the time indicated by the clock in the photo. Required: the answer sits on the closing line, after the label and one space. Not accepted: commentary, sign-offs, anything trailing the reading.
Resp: 7:08
